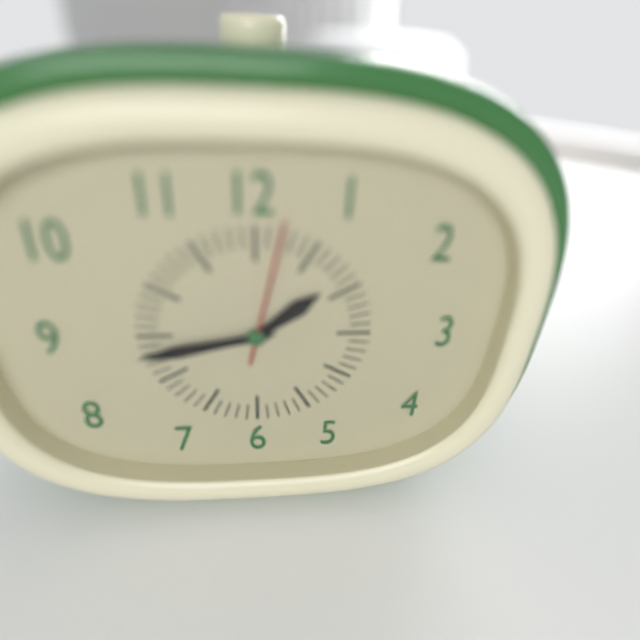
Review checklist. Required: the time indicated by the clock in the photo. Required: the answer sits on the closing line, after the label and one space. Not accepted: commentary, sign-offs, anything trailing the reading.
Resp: 1:43:02
